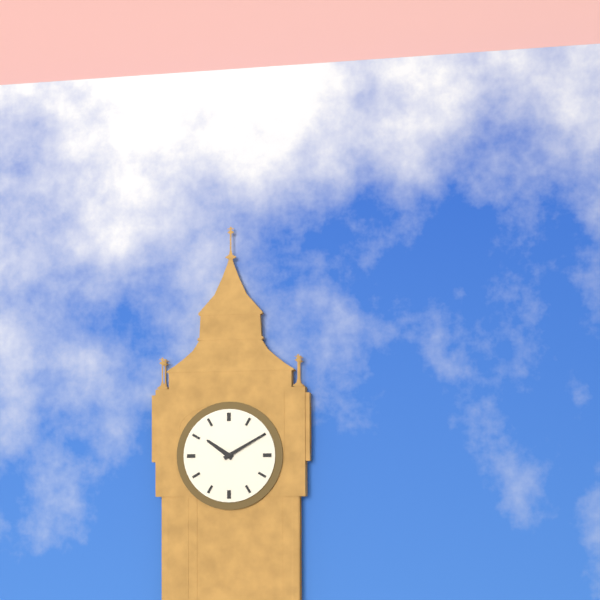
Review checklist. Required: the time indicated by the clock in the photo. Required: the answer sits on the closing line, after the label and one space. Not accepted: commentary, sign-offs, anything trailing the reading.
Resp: 10:10
